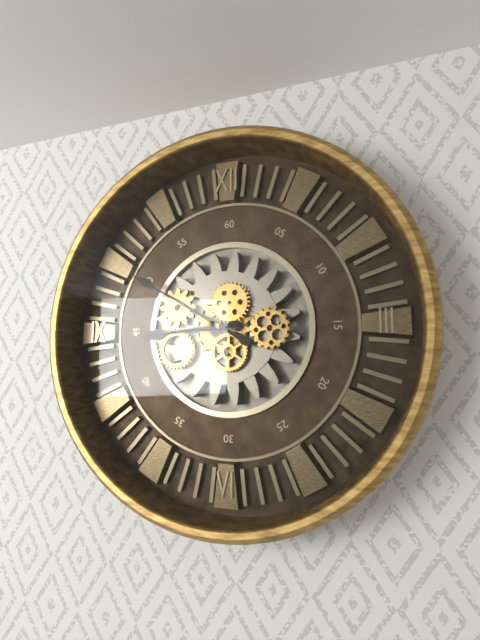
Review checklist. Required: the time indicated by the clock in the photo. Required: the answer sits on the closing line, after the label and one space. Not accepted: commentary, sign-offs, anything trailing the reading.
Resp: 8:50
